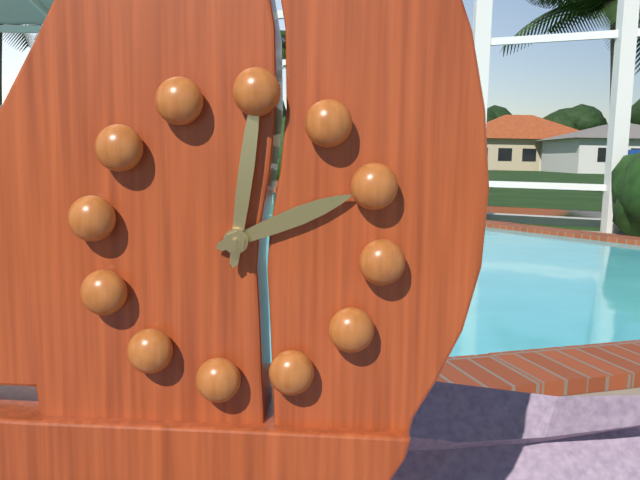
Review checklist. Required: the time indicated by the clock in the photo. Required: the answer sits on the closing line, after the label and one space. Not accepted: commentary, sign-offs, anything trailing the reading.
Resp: 2:00
